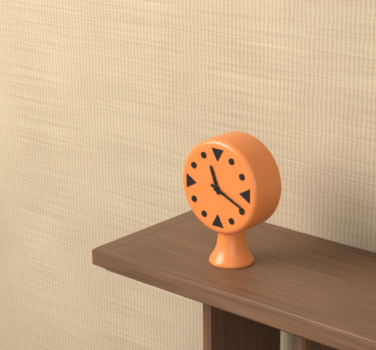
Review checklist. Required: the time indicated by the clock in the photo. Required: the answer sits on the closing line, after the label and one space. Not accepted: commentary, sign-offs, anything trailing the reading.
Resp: 11:19
